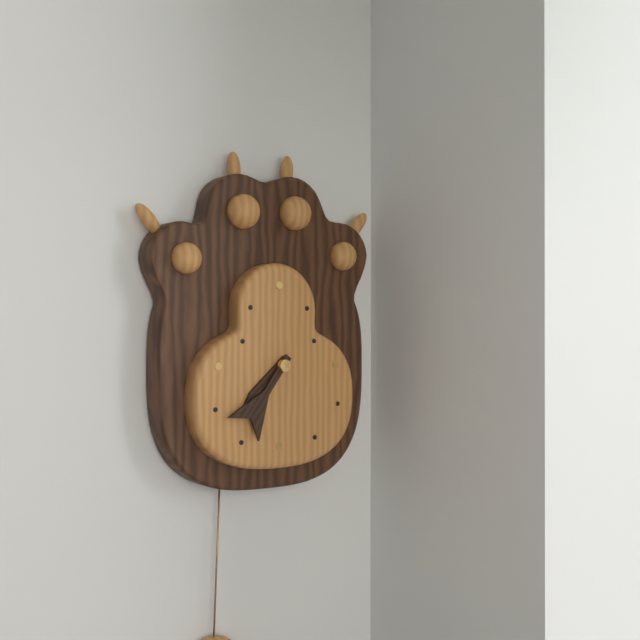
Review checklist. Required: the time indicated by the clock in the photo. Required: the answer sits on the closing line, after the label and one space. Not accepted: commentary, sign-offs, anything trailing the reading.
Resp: 7:36
